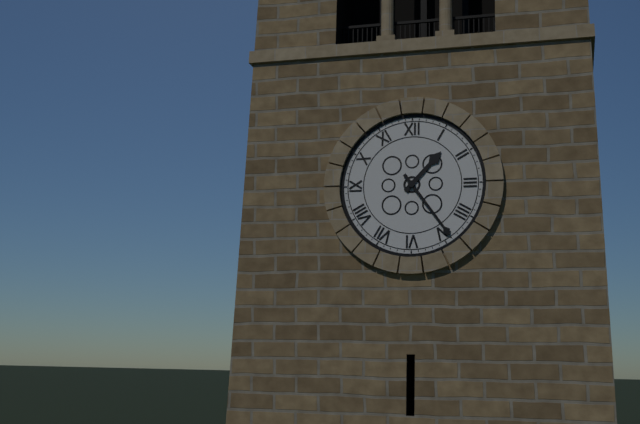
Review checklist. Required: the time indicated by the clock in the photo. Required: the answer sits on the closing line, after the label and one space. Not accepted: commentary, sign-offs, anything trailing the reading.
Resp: 1:24
